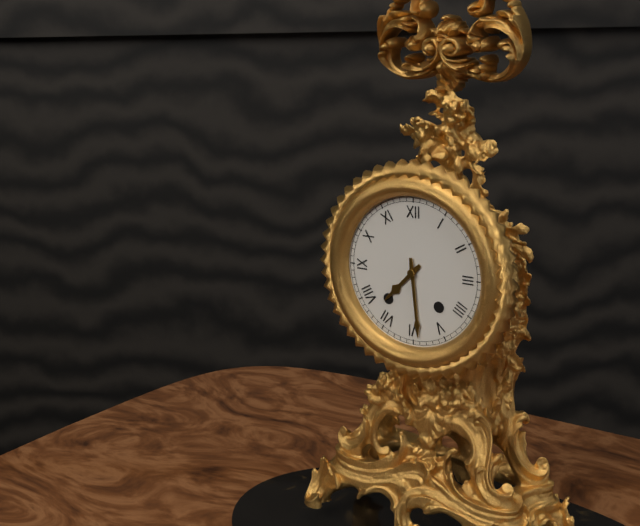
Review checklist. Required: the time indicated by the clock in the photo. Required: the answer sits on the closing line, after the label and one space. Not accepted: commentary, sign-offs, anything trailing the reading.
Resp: 7:29
